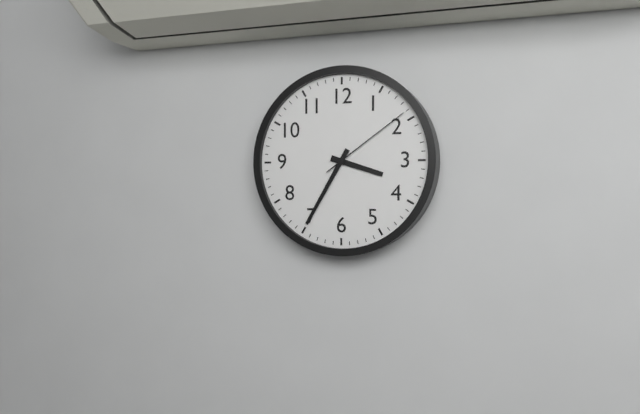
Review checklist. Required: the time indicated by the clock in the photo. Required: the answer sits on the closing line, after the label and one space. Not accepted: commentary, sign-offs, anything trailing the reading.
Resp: 3:35:09
